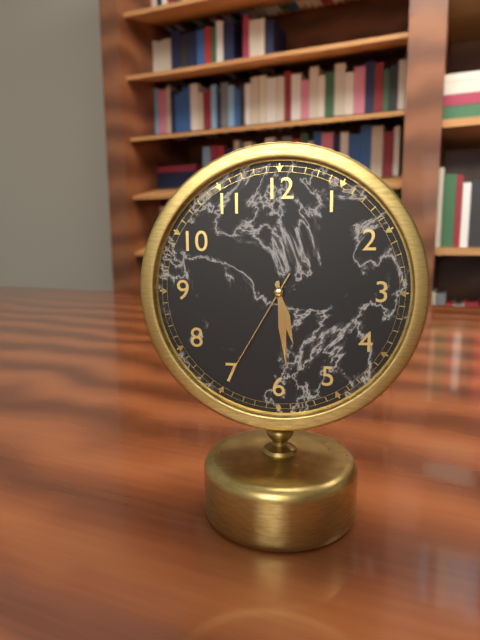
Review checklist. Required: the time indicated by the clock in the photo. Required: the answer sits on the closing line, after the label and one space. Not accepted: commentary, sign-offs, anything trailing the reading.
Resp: 5:29:35
